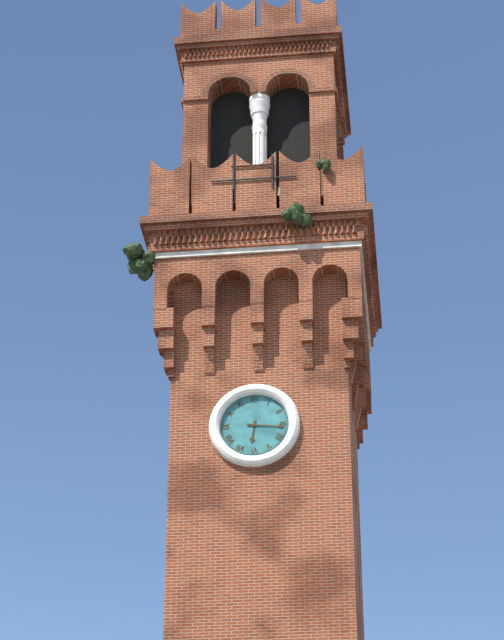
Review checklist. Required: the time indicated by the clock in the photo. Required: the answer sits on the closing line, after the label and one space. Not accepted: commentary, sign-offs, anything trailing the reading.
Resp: 6:16
